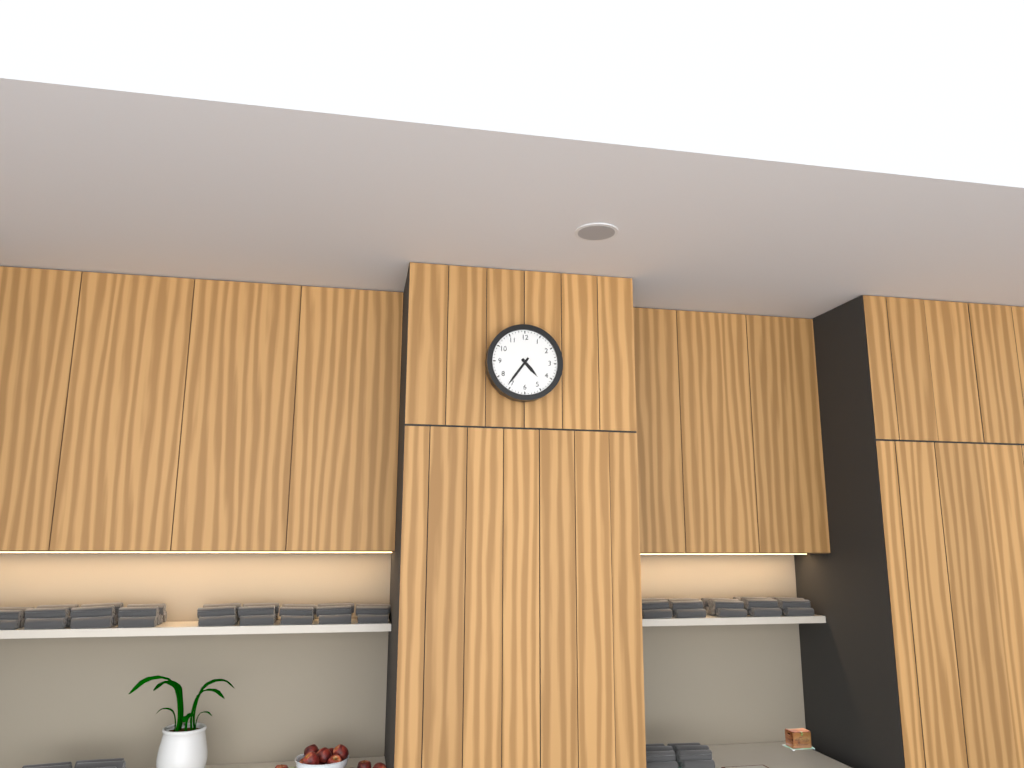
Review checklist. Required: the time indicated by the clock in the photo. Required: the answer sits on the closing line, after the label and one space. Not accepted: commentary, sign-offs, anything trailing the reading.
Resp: 4:36
